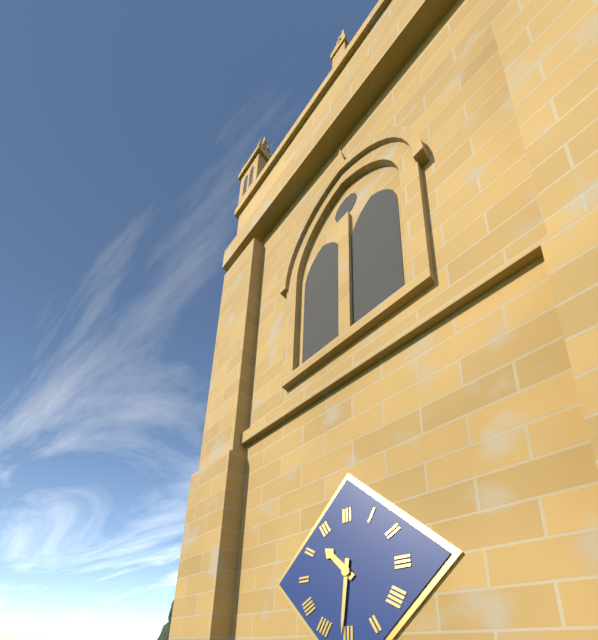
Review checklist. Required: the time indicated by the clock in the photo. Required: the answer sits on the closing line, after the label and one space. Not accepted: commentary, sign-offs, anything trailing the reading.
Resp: 10:31
